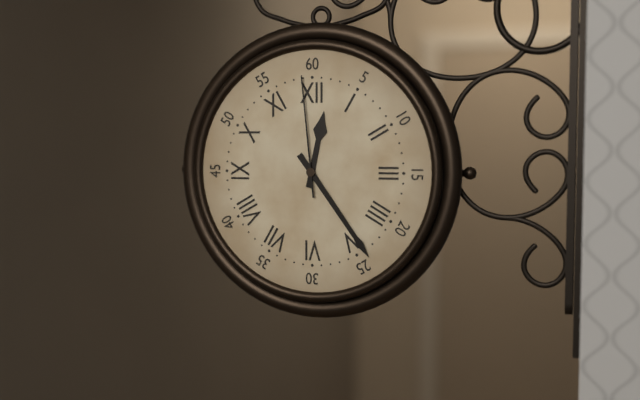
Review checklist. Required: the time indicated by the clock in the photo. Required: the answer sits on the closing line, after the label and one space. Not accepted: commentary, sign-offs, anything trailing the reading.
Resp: 12:24:59
